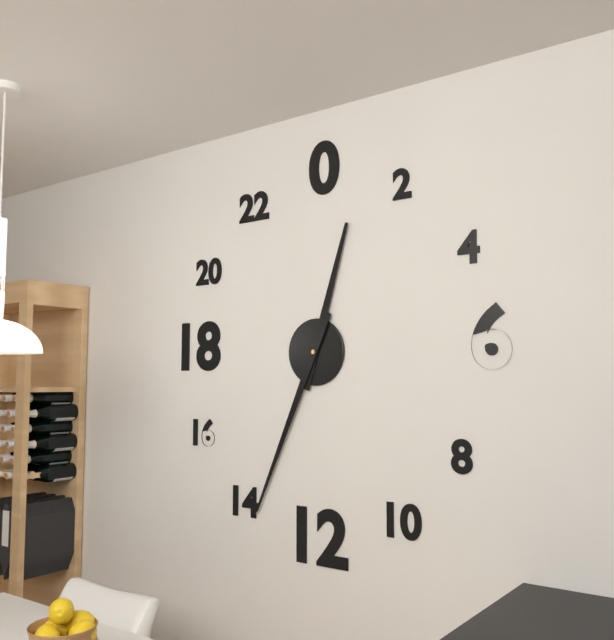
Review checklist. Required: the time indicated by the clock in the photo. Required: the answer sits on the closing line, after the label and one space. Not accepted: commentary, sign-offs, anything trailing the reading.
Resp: 12:34
